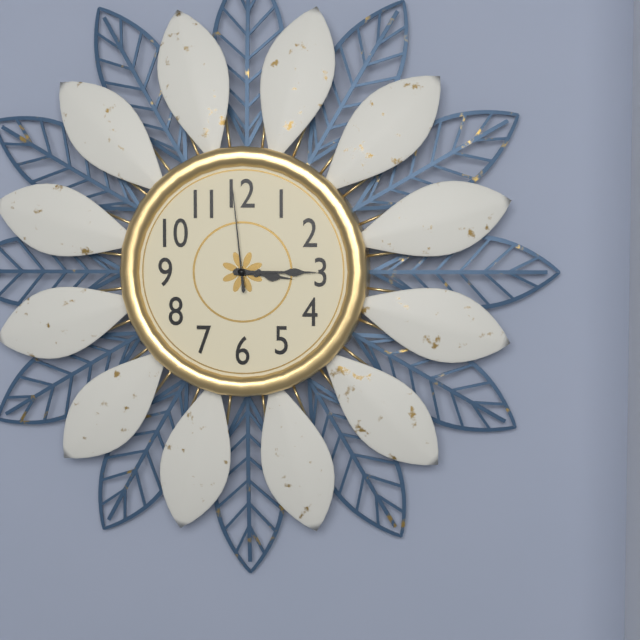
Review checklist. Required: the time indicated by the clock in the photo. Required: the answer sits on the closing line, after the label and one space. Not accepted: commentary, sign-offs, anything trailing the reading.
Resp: 3:15:59
